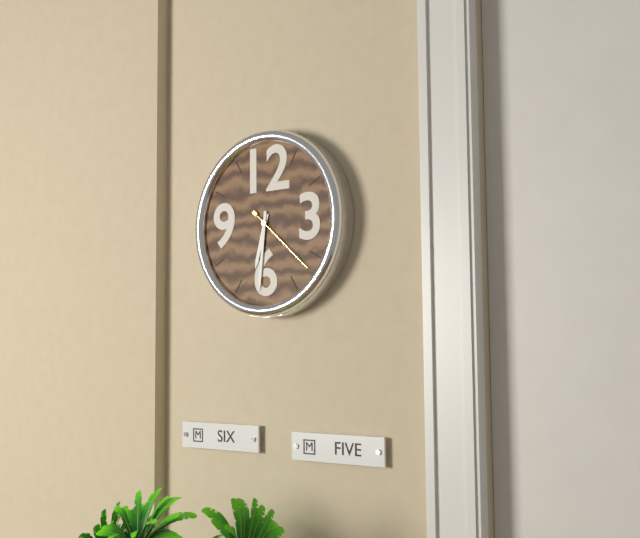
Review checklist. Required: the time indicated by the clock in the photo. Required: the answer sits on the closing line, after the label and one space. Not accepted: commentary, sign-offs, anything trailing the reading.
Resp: 6:31:22
